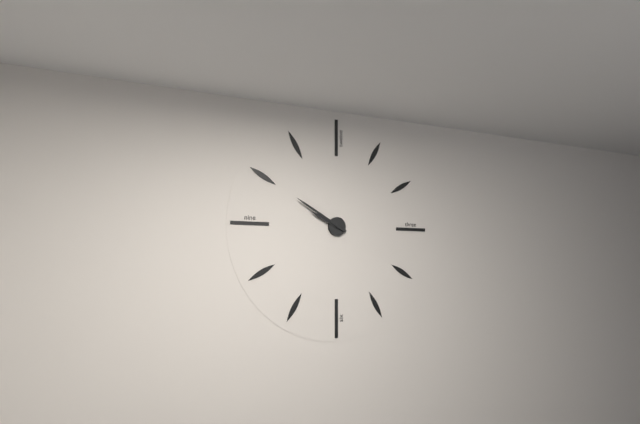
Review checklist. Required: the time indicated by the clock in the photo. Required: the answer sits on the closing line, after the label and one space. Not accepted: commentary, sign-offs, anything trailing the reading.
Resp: 9:50
